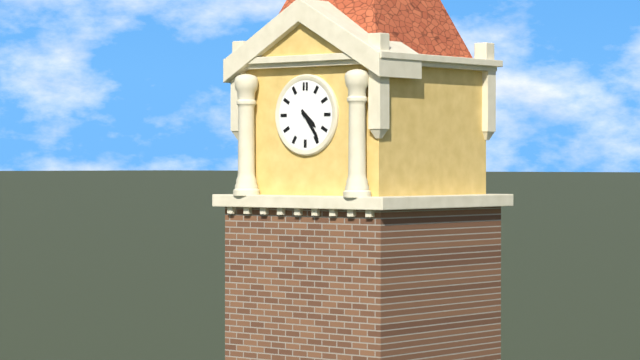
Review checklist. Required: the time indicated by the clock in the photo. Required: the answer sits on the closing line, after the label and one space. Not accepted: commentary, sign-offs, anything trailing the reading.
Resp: 4:24
